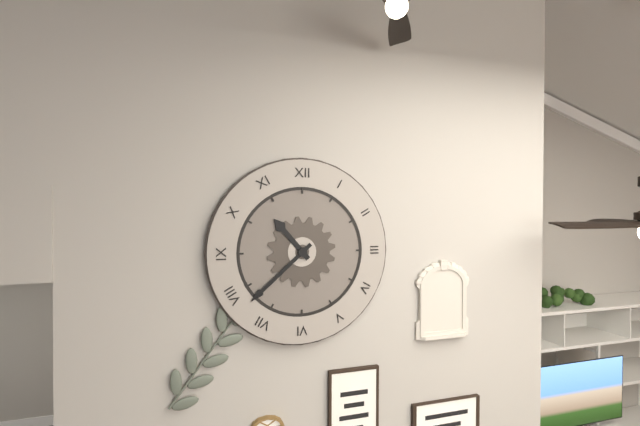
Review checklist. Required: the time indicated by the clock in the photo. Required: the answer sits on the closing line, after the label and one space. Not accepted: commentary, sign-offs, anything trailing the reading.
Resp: 10:38
